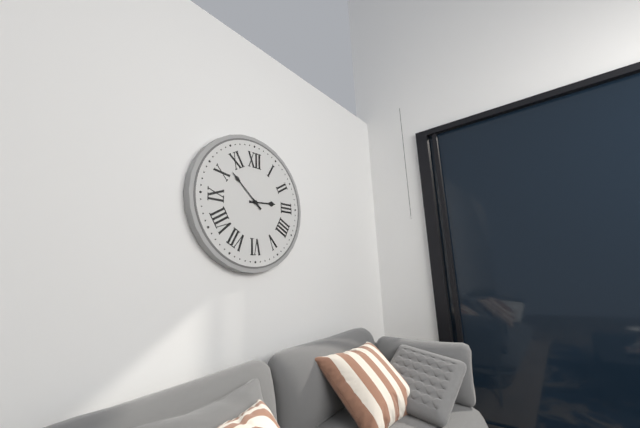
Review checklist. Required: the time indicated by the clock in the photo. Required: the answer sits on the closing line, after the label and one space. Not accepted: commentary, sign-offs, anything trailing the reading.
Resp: 2:52
